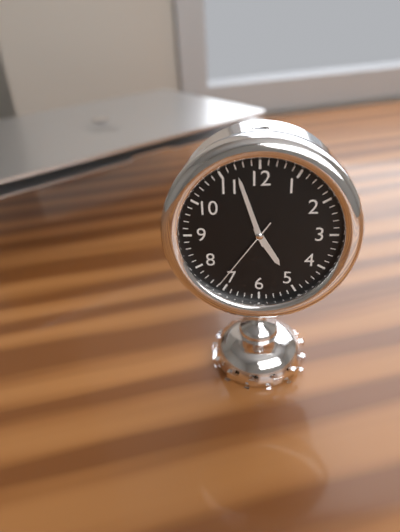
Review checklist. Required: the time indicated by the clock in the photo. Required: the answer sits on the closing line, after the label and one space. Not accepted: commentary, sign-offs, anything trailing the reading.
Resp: 4:57:36
